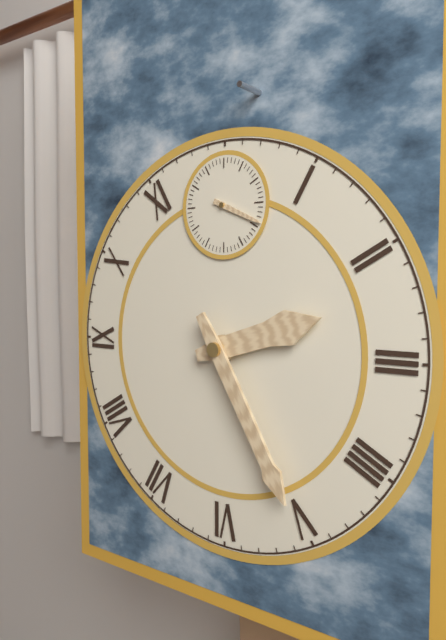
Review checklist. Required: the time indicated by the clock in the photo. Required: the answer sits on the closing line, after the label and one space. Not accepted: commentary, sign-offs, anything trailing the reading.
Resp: 2:25:19
